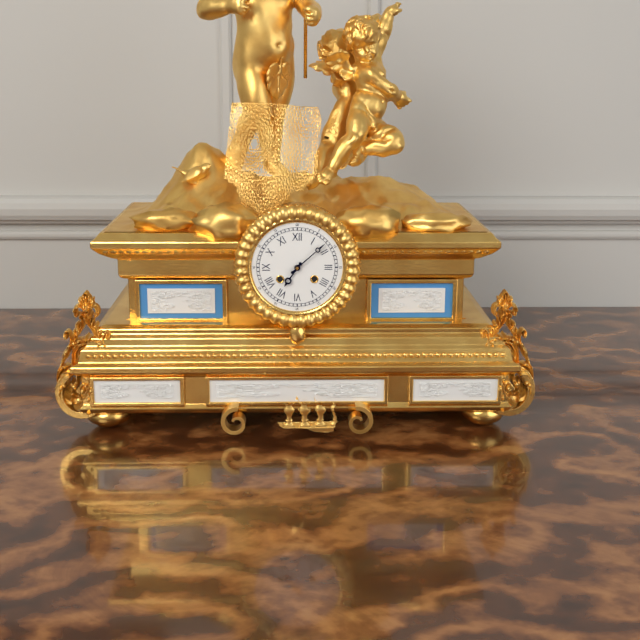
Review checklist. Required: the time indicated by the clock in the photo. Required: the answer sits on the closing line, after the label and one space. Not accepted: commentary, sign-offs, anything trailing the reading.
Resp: 7:08
